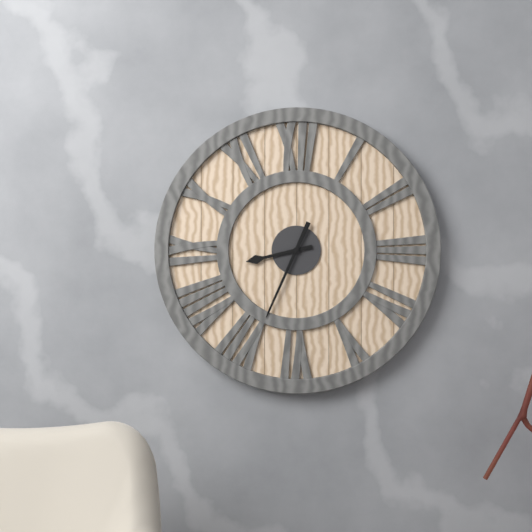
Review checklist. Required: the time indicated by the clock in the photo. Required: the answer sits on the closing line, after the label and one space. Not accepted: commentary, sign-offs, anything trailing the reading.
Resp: 8:34
